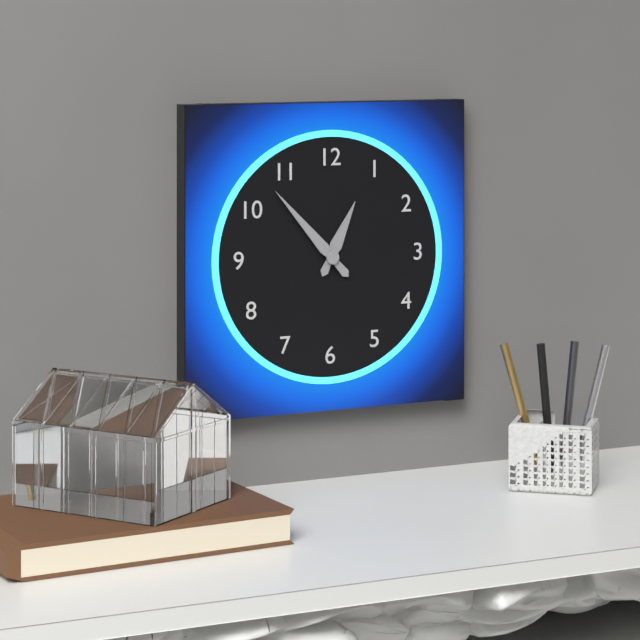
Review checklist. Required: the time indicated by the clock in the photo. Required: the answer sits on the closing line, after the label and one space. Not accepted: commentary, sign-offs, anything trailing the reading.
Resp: 12:53
